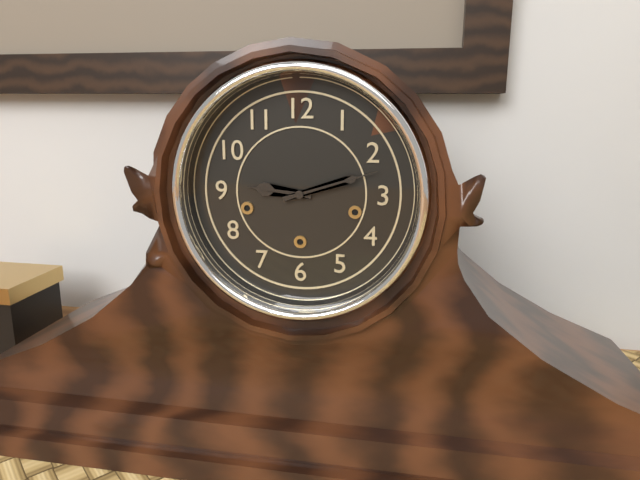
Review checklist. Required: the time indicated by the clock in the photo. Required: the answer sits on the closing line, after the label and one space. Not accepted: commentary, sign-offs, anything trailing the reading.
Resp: 9:12
